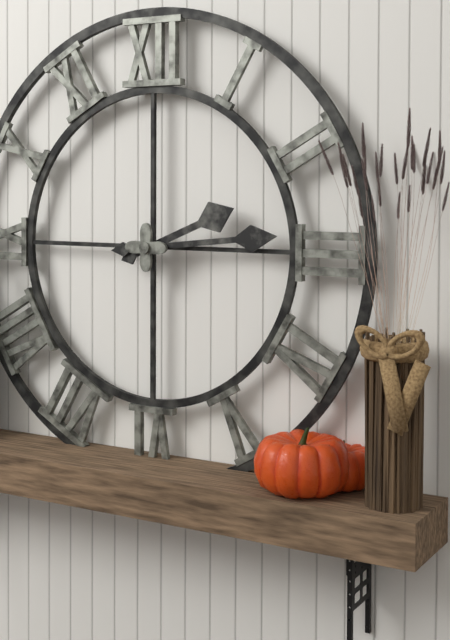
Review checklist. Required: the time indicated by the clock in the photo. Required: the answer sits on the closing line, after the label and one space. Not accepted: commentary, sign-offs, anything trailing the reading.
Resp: 2:14
